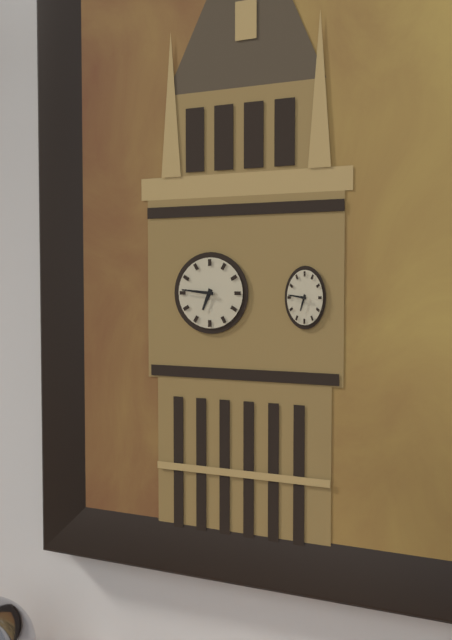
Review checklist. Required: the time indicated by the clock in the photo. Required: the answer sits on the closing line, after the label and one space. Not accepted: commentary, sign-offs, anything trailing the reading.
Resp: 6:46
